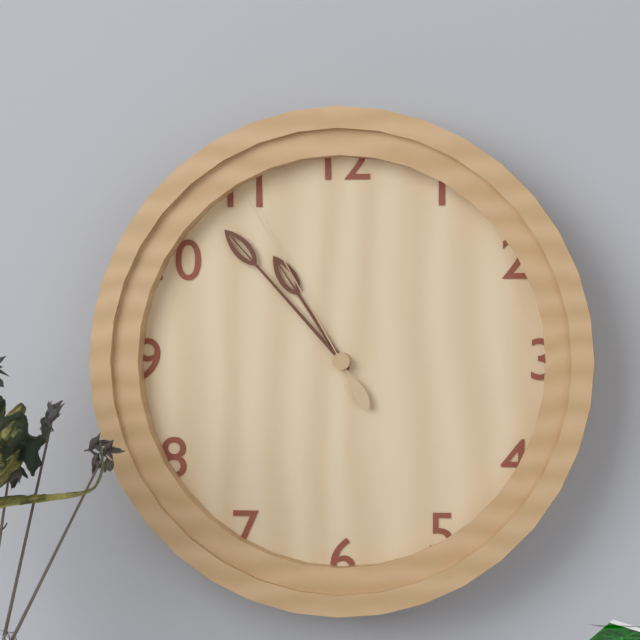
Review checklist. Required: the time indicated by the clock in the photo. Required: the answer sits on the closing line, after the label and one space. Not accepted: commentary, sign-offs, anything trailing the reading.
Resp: 10:53:55
